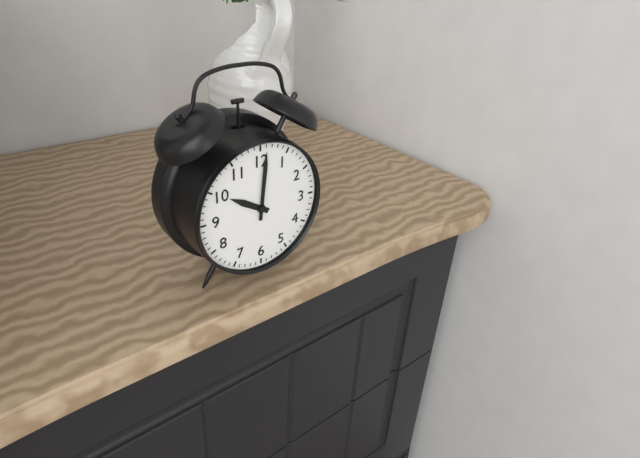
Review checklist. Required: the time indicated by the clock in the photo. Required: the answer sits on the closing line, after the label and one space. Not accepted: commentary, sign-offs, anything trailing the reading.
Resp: 10:01
